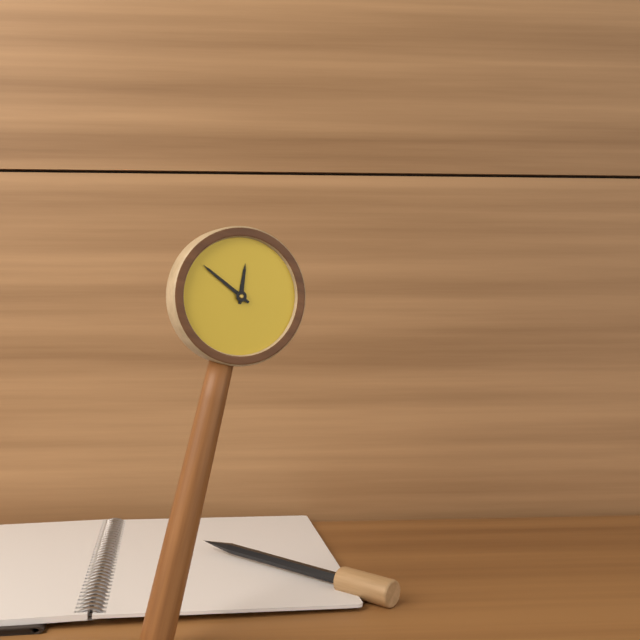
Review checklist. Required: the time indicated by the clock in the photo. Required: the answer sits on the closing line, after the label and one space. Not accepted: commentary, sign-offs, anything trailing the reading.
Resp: 11:49
